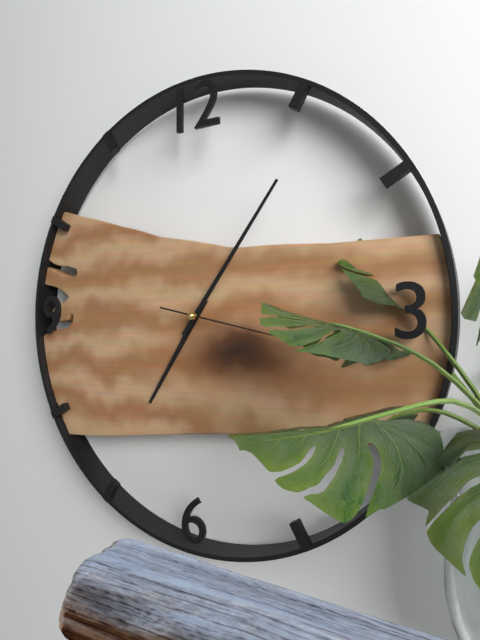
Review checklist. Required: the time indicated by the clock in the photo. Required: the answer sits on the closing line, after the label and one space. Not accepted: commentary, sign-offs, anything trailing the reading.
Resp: 7:06
